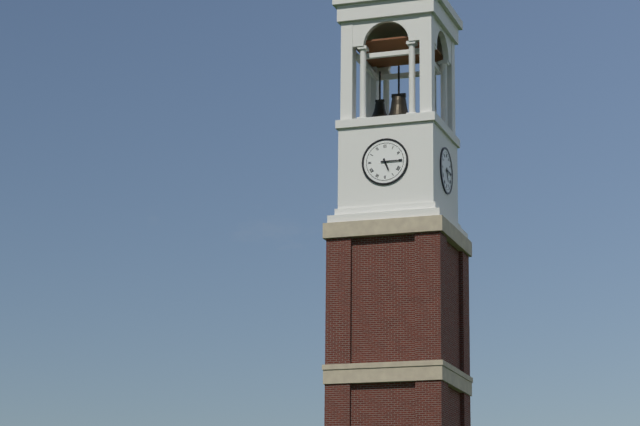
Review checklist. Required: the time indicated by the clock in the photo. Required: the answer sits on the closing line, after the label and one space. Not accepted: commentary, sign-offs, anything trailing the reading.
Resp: 5:15
